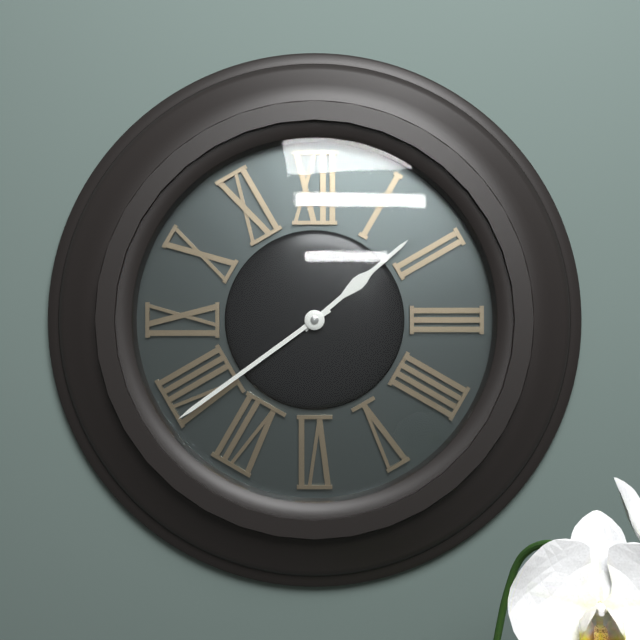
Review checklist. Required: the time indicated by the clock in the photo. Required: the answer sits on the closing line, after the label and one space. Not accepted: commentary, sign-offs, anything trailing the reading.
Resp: 1:39
